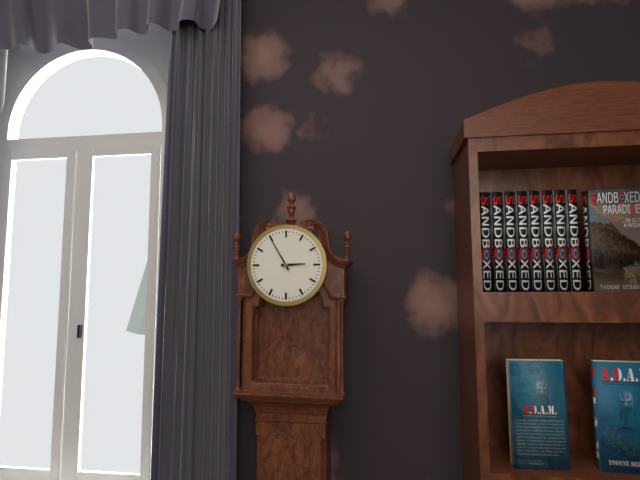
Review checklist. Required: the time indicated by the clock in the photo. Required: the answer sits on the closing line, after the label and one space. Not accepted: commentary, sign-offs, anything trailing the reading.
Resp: 2:55
